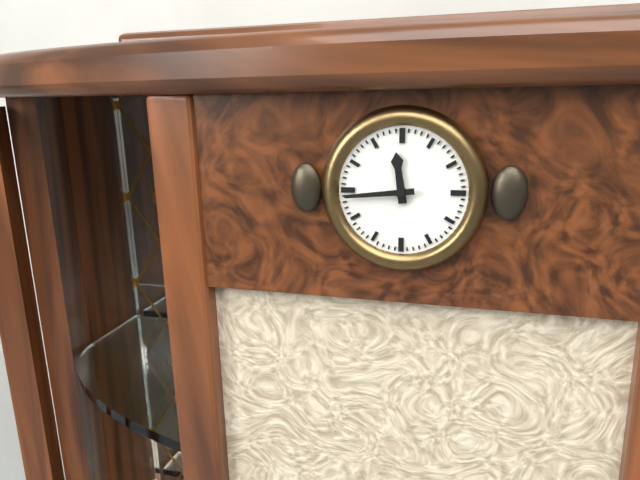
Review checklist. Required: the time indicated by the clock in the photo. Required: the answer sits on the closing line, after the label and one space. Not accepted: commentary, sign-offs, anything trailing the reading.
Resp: 11:44
